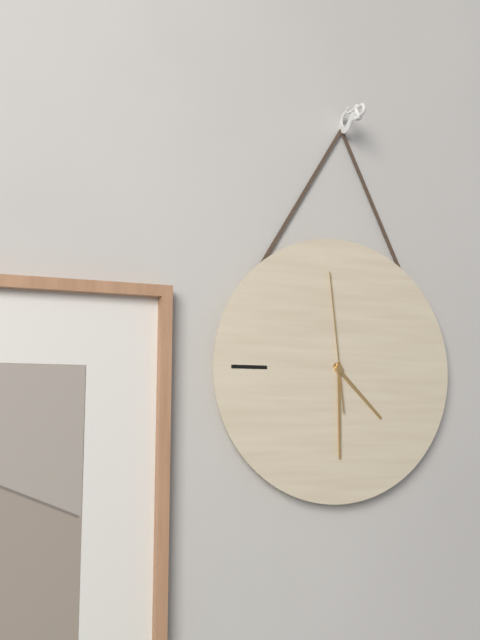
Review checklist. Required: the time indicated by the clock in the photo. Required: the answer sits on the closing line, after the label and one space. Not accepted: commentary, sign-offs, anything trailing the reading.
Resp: 4:30:59
